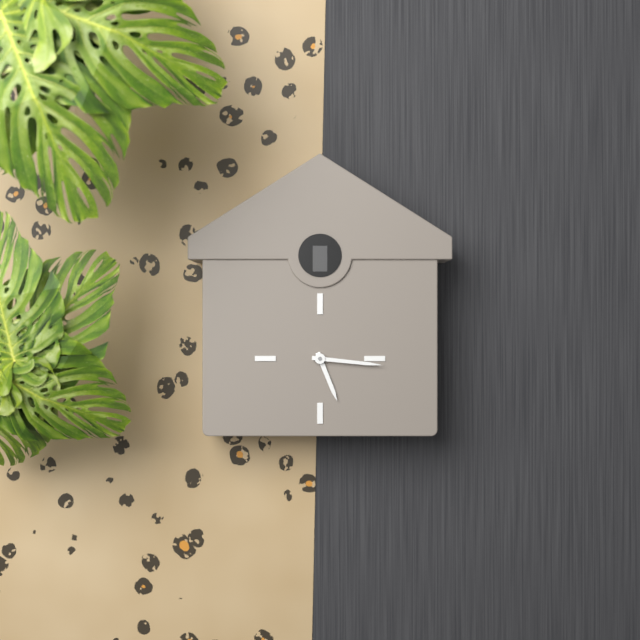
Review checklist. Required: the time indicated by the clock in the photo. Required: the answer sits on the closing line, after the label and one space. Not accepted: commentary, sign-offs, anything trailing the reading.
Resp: 5:16
